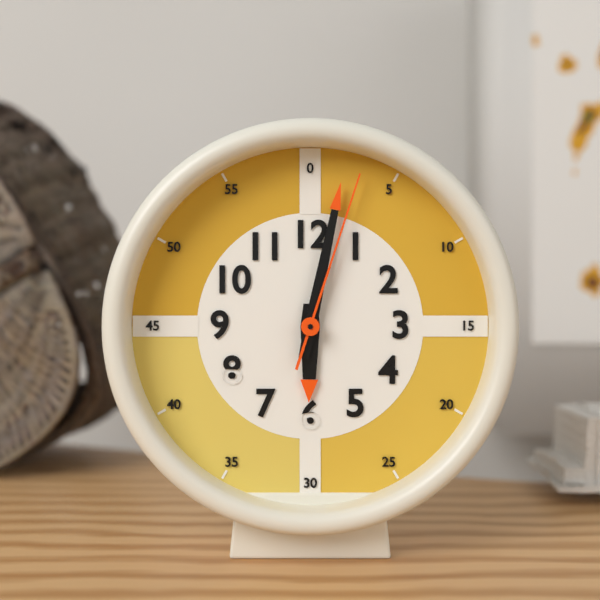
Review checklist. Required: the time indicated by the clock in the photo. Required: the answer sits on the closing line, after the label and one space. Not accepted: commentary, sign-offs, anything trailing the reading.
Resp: 6:02:03
